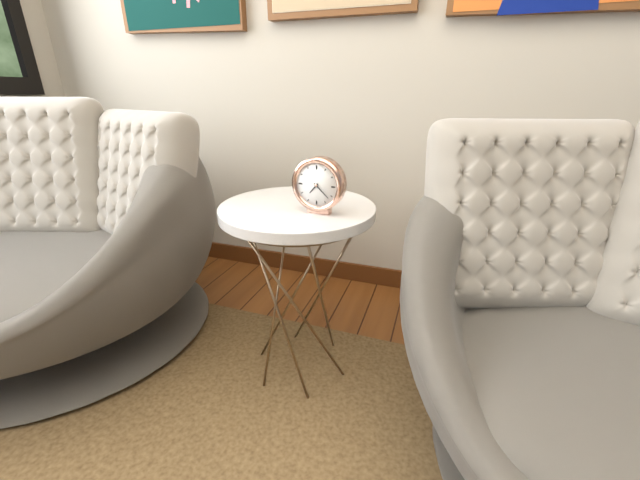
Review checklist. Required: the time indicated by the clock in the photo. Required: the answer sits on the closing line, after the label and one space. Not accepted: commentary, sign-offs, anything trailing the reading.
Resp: 7:22
